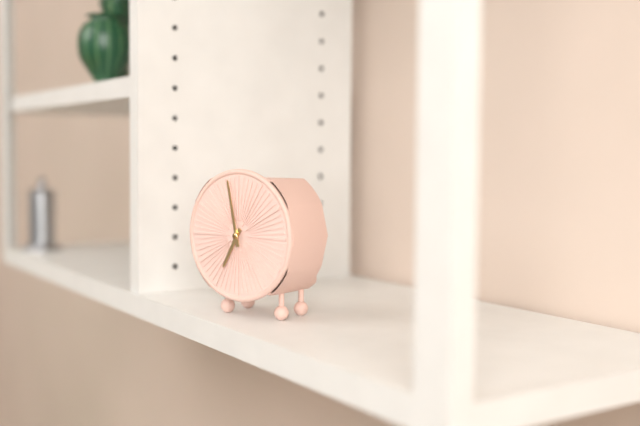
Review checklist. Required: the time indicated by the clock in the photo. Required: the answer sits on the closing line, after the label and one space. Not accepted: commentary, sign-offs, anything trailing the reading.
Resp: 6:58
